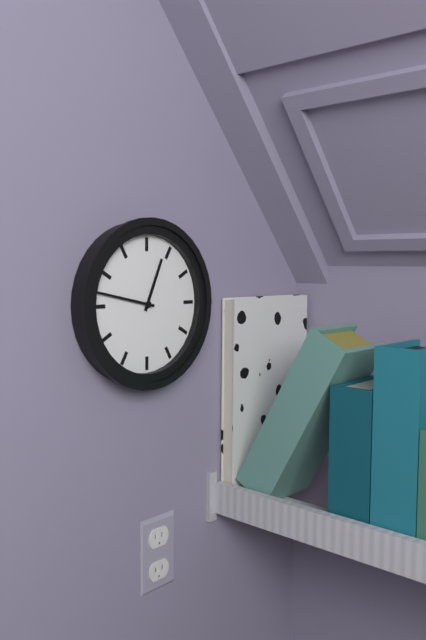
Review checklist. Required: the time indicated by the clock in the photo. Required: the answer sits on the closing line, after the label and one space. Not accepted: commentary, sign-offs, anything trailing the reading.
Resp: 12:47
